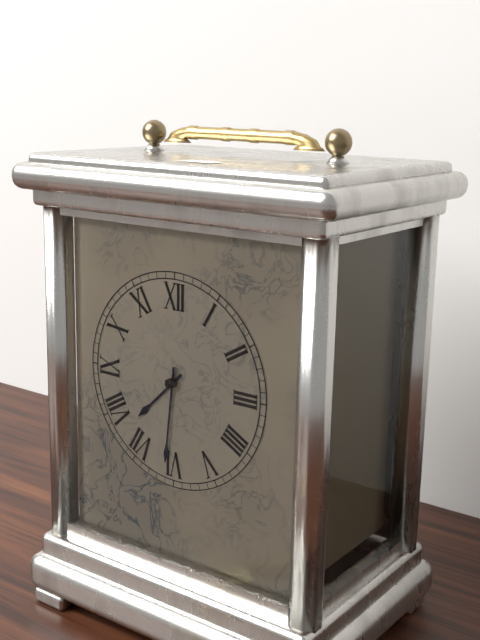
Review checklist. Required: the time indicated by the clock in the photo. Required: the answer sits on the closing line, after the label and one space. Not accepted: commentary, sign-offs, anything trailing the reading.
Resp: 7:31
